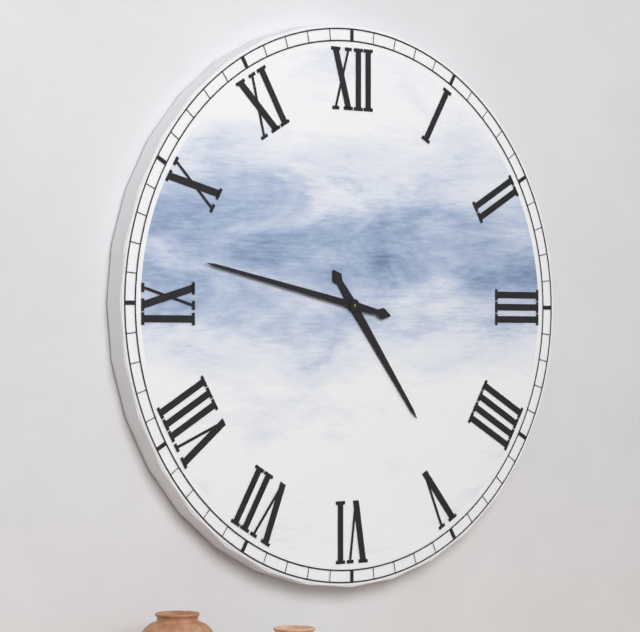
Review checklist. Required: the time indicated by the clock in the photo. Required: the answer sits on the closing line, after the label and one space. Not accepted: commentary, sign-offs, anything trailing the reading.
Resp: 4:47
